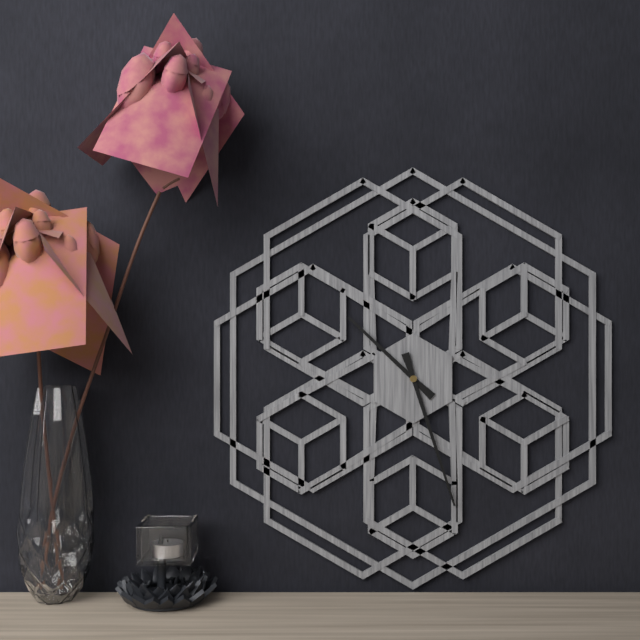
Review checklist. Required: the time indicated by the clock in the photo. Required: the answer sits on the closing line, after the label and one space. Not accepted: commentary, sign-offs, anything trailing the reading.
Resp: 10:27
